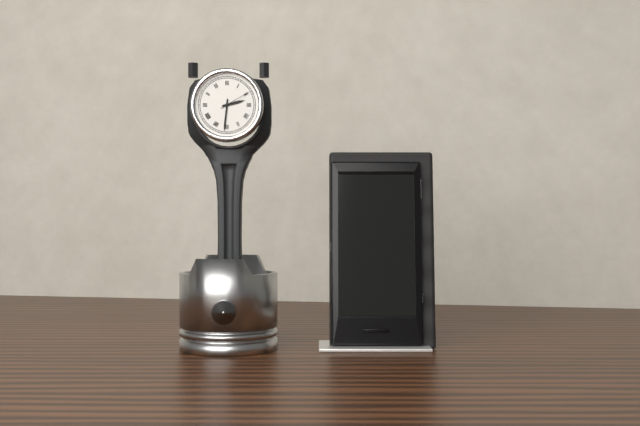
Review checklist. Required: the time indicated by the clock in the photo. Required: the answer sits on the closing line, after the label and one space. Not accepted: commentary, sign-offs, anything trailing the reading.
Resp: 2:31
